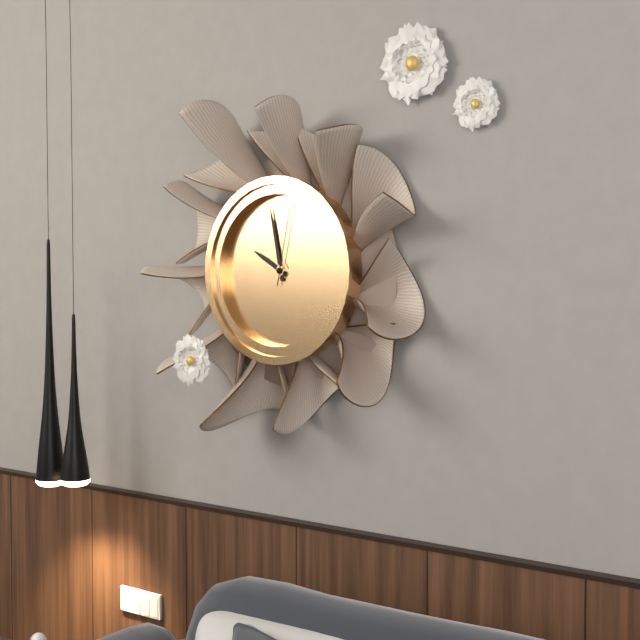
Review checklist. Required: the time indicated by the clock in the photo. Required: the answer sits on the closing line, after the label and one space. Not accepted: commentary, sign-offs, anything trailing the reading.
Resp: 9:58:02
